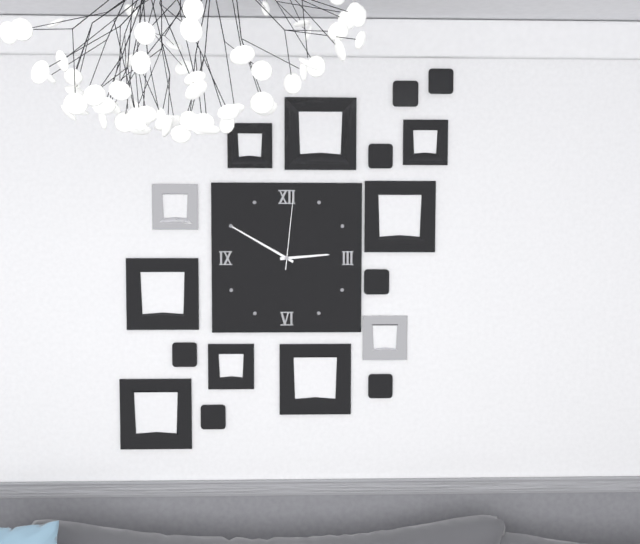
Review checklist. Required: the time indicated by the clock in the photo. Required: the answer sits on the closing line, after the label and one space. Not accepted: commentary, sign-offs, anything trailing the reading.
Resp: 2:50:01
